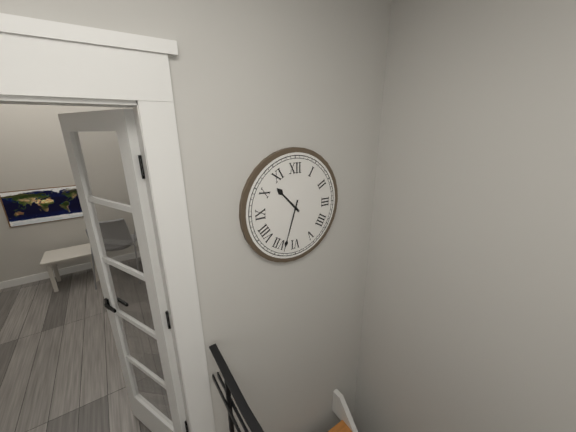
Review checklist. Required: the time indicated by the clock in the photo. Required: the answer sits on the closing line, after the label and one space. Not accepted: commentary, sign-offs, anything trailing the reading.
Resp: 10:33
